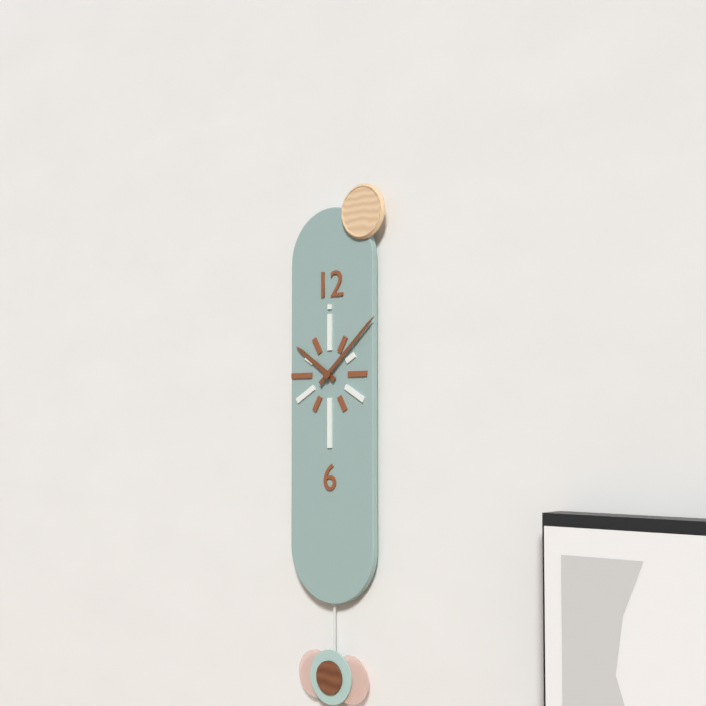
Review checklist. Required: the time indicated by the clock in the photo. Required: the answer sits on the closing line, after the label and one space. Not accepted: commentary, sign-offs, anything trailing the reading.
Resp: 10:08
